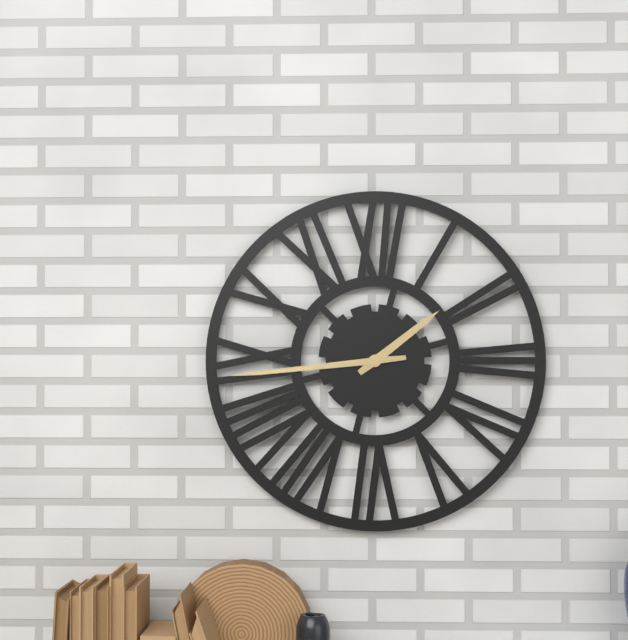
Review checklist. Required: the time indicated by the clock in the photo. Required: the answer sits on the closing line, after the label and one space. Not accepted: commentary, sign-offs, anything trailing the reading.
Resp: 1:44
